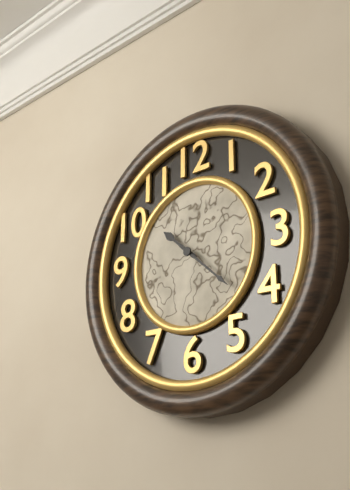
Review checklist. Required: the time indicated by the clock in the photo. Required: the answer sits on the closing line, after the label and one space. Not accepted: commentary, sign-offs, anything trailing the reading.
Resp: 10:22
